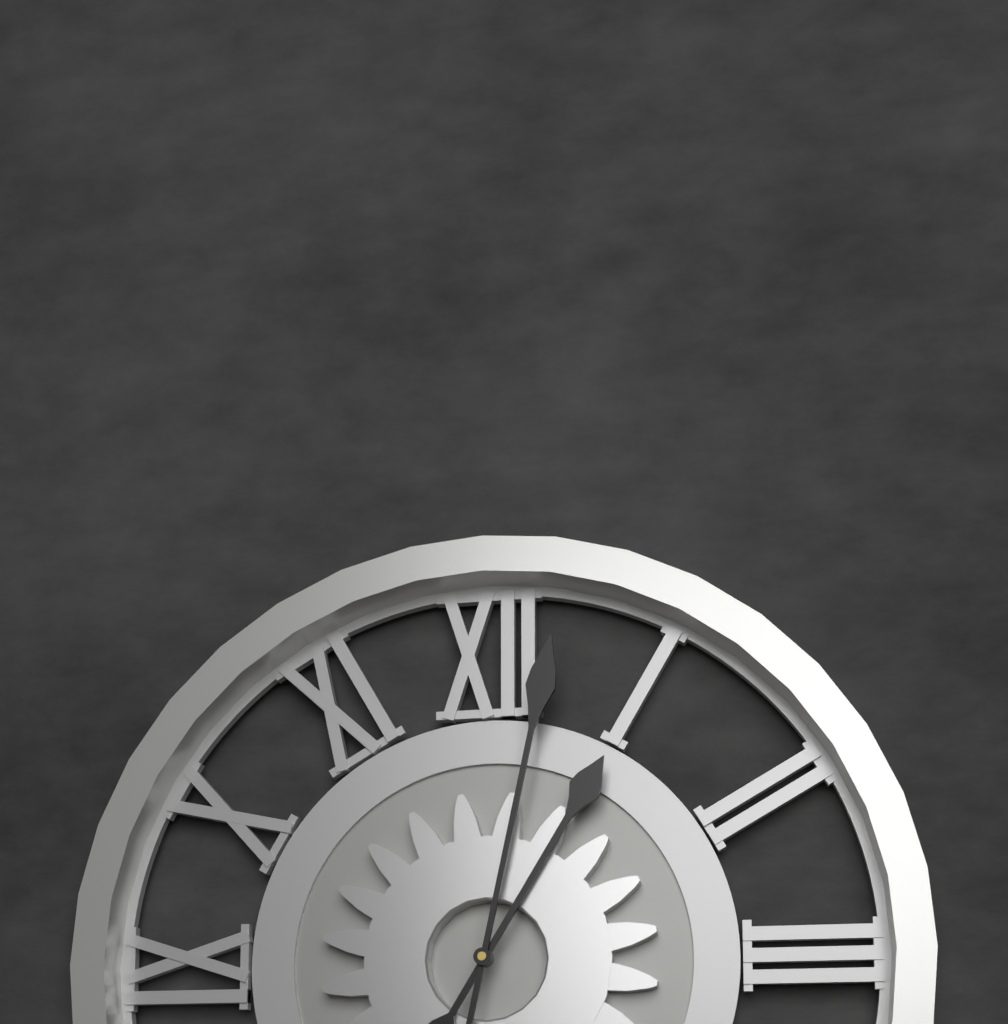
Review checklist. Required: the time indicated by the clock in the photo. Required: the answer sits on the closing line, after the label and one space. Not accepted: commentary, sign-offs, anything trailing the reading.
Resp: 1:02
